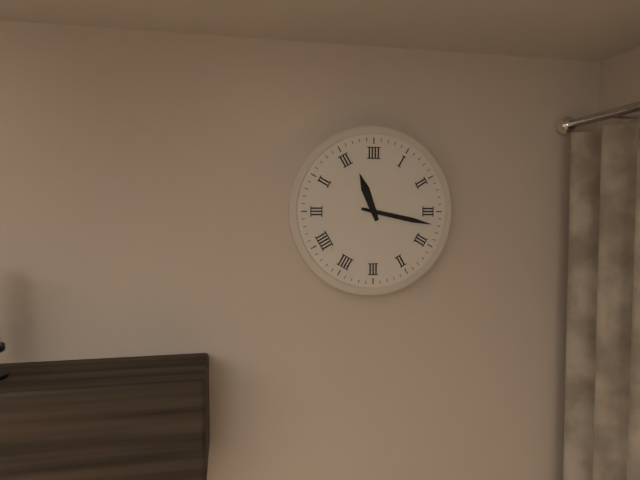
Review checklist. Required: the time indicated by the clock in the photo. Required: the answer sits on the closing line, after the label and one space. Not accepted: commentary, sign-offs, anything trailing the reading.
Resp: 11:17
